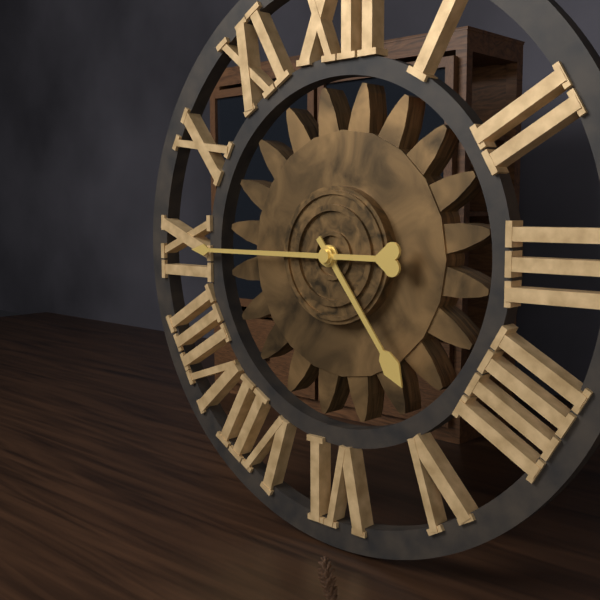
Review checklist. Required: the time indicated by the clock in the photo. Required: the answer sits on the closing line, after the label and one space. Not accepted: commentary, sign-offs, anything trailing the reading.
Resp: 4:45
